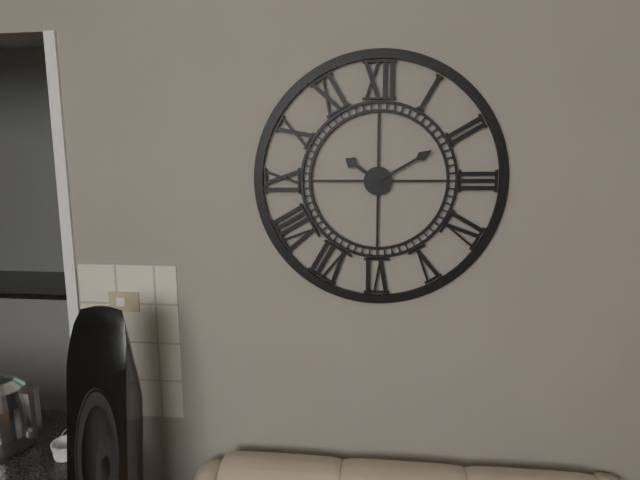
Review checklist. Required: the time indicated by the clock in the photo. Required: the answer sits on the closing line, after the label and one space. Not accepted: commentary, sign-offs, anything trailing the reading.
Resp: 10:10
